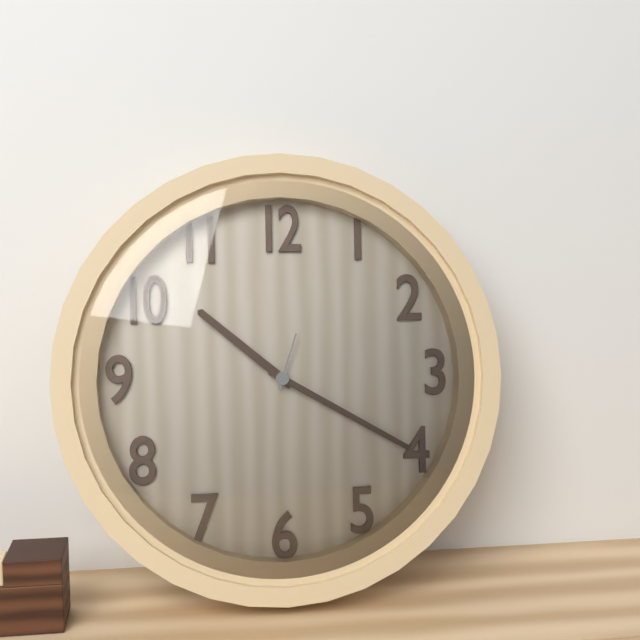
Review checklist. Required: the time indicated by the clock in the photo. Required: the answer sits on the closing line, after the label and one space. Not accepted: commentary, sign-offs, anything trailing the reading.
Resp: 10:20:03
